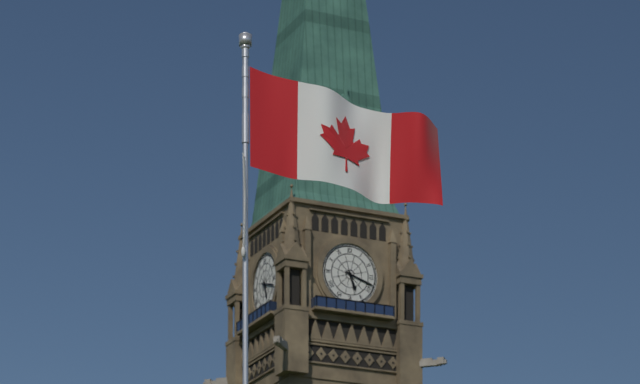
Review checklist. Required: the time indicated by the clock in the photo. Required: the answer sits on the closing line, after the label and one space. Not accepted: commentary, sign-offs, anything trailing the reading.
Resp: 5:18
